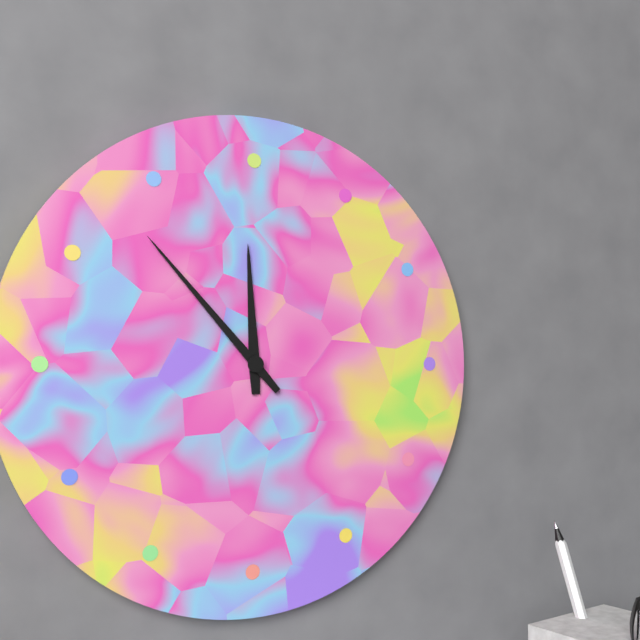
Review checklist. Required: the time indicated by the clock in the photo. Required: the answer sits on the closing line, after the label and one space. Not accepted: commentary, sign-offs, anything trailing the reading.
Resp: 11:53
